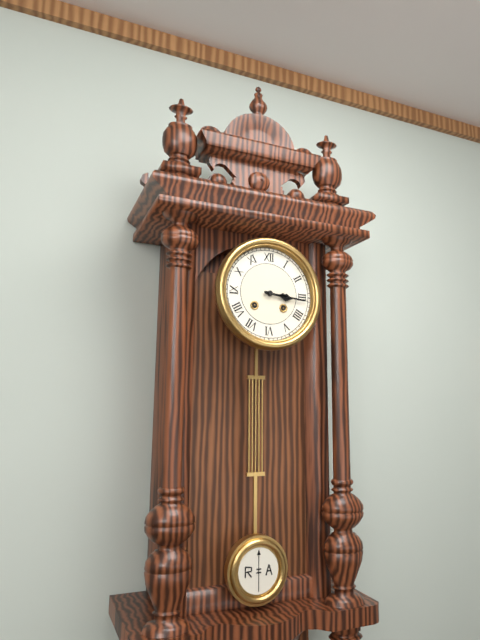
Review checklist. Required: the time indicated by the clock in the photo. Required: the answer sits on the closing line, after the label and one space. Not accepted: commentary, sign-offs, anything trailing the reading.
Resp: 3:16
